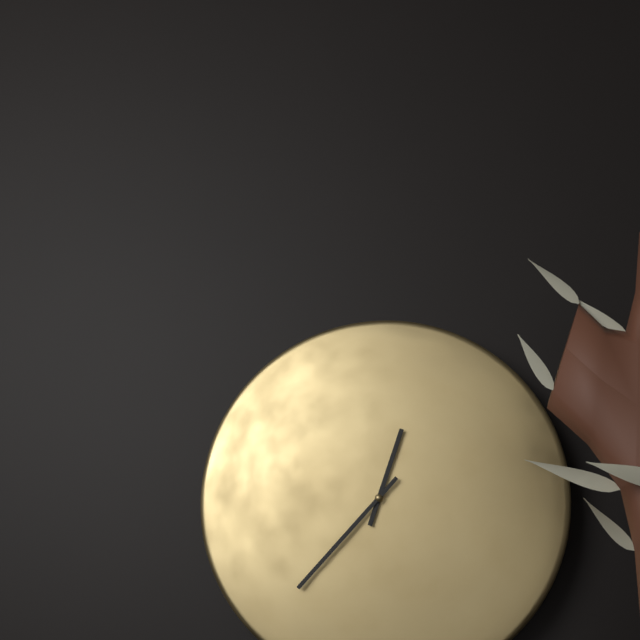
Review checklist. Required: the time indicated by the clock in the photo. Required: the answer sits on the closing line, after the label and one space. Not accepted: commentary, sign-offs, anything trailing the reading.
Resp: 12:37
